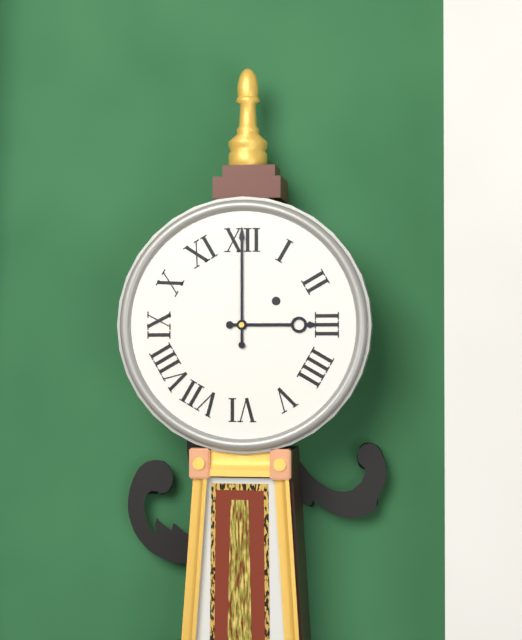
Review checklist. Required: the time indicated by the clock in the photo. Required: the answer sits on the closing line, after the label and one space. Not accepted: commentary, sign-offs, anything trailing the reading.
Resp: 3:00
